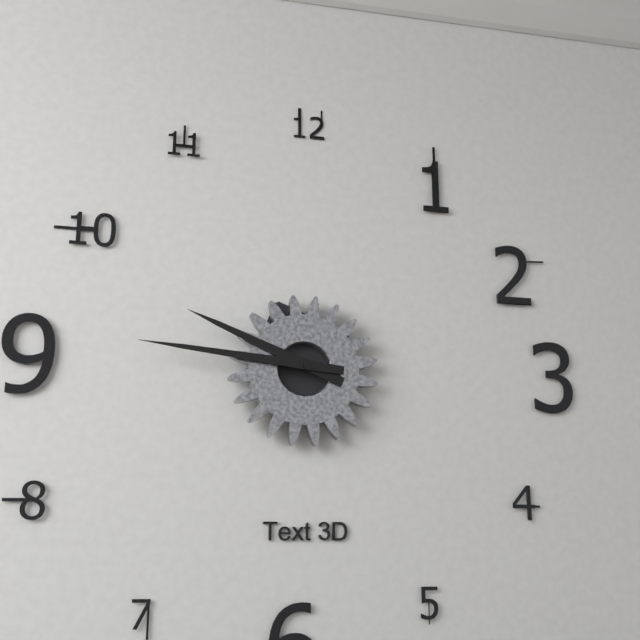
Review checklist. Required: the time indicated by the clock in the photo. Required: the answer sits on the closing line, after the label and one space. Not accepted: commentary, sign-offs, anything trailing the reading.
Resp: 9:46
